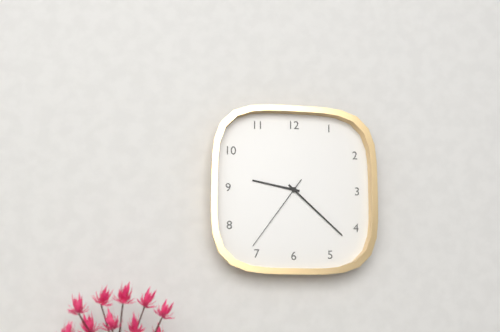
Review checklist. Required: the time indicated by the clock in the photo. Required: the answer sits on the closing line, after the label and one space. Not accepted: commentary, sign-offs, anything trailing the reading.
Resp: 9:22:36
